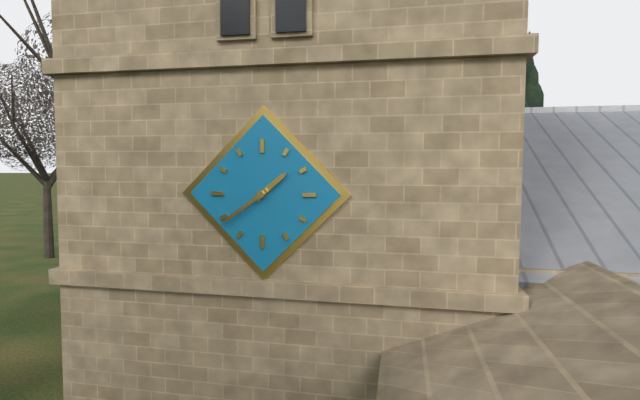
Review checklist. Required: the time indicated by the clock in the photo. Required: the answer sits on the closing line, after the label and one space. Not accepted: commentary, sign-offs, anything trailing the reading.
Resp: 1:39
